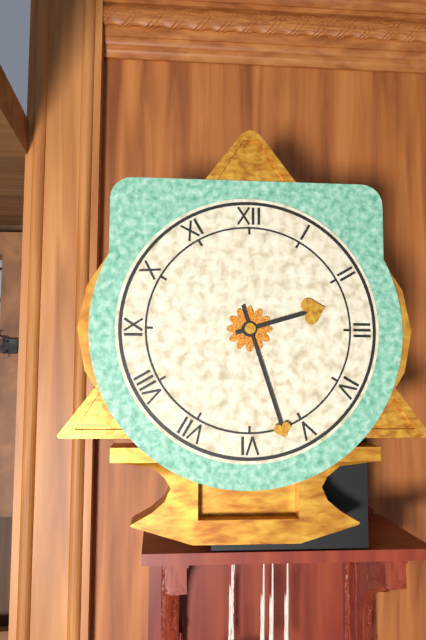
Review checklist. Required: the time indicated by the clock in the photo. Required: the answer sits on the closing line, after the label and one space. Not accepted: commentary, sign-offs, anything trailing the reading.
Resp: 2:27
